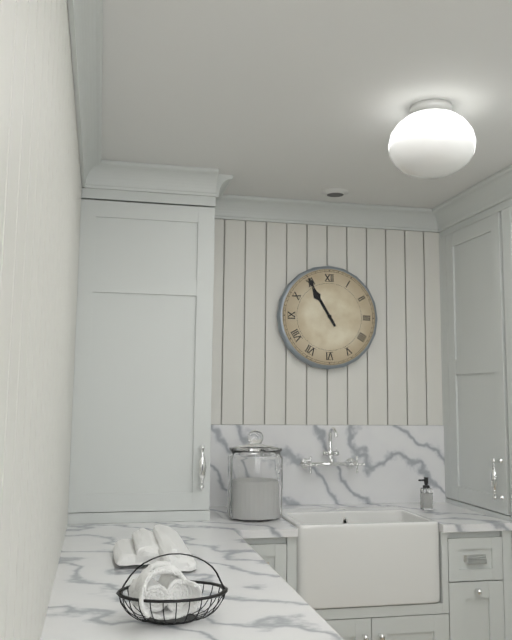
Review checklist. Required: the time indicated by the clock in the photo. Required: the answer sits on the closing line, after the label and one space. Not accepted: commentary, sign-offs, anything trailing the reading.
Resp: 10:55
